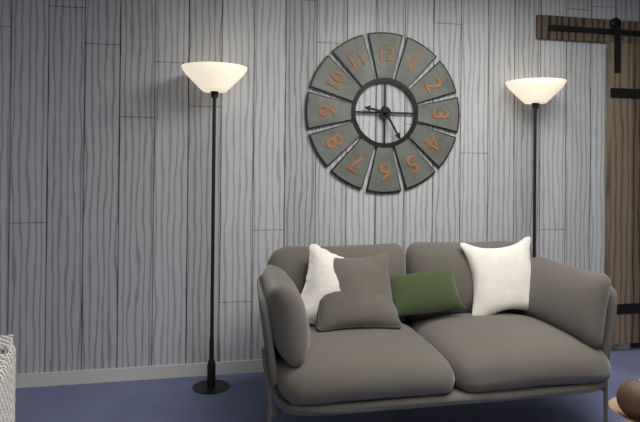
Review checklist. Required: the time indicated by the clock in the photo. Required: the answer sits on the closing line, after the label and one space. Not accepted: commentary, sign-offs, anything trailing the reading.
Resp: 9:25
